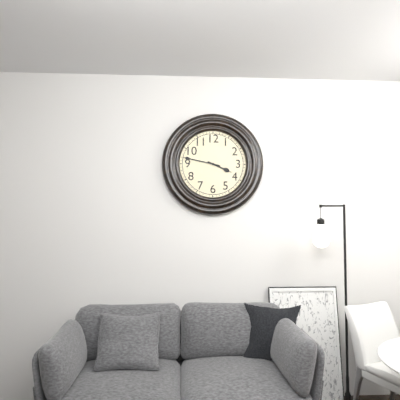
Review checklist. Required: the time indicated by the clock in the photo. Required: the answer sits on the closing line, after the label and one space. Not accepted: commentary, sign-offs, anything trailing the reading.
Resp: 3:47
